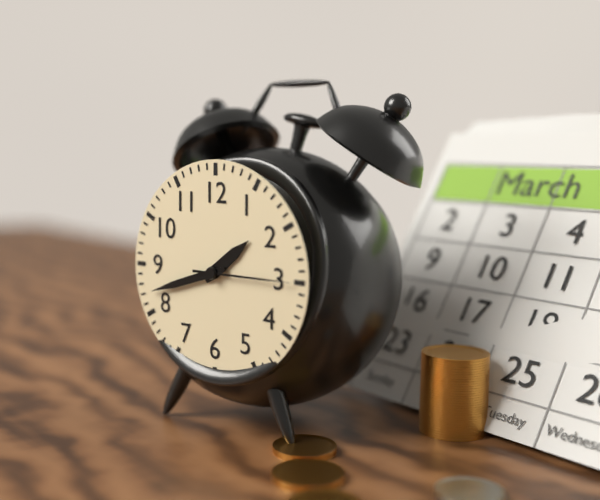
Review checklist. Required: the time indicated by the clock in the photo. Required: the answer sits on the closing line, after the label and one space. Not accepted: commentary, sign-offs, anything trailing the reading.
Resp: 1:42:15
